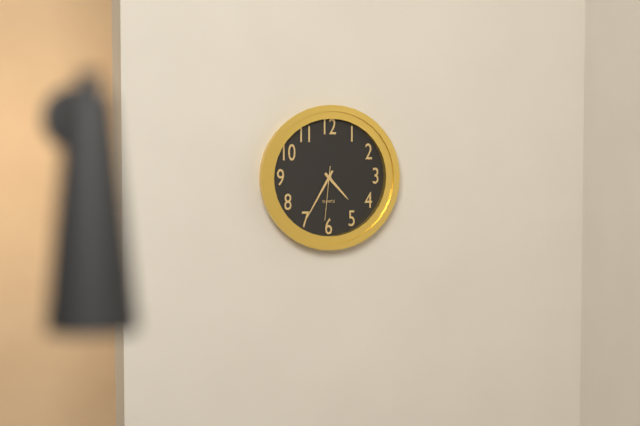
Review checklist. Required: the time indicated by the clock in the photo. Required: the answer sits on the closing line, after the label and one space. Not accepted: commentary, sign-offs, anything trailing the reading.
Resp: 4:35:31
